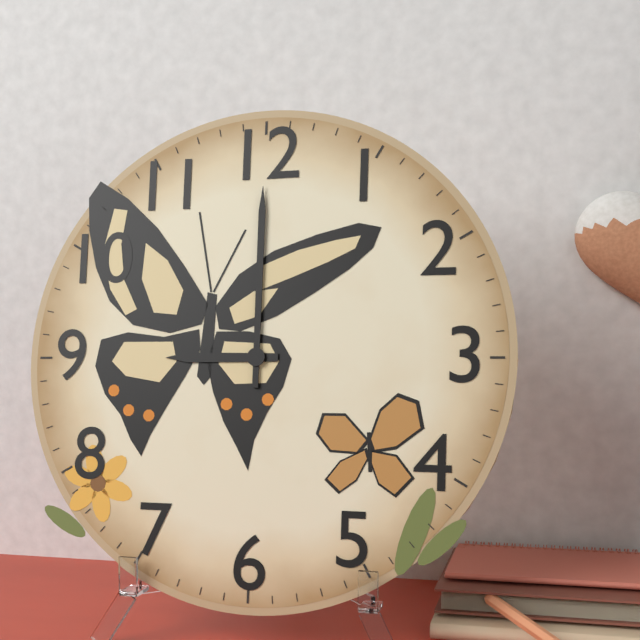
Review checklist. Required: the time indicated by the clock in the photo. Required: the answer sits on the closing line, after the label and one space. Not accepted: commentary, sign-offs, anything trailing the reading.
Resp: 9:00
